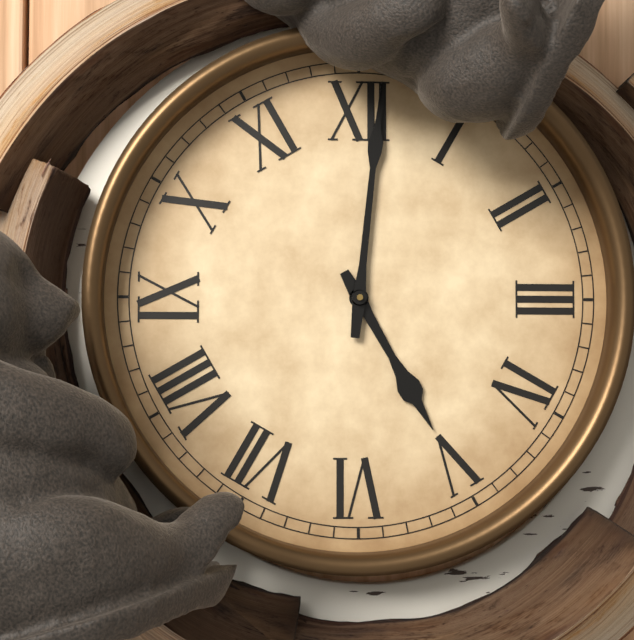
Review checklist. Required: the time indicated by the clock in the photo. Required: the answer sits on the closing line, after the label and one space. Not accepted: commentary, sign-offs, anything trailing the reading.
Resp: 5:01
